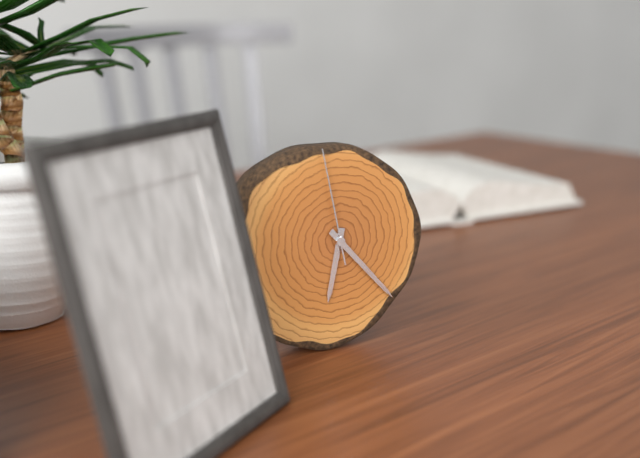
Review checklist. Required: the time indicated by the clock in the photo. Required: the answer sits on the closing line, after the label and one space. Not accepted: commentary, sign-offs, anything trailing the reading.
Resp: 6:23:58
